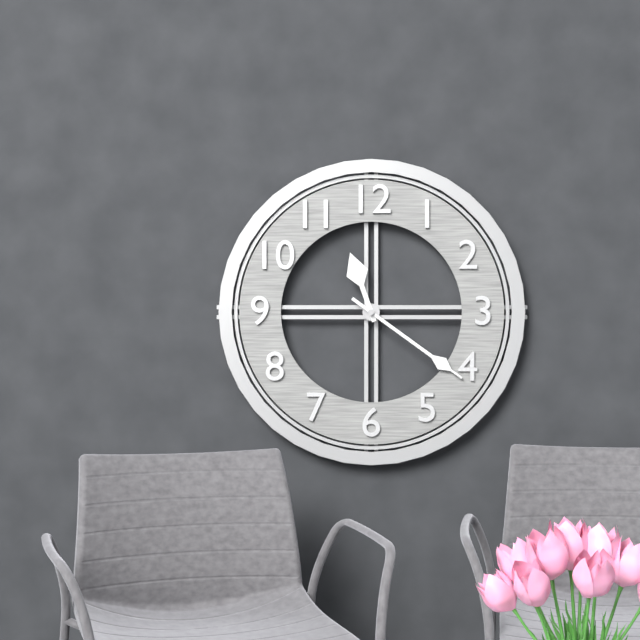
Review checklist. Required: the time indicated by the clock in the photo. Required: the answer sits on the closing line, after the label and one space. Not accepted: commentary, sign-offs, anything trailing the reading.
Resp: 11:21
